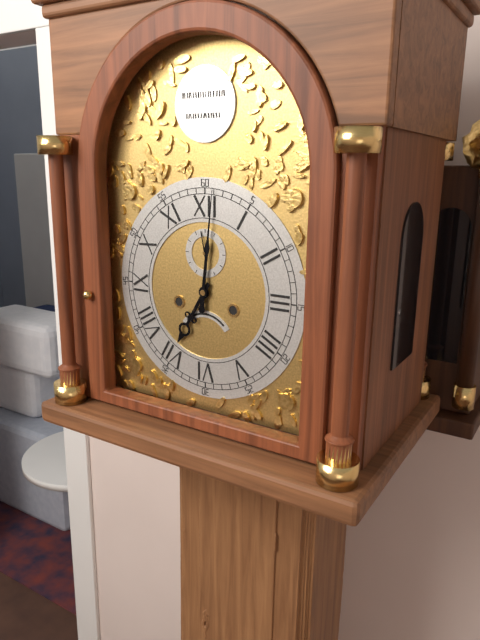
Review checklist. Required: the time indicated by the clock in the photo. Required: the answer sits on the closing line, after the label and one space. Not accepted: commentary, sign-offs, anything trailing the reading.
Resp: 7:01
